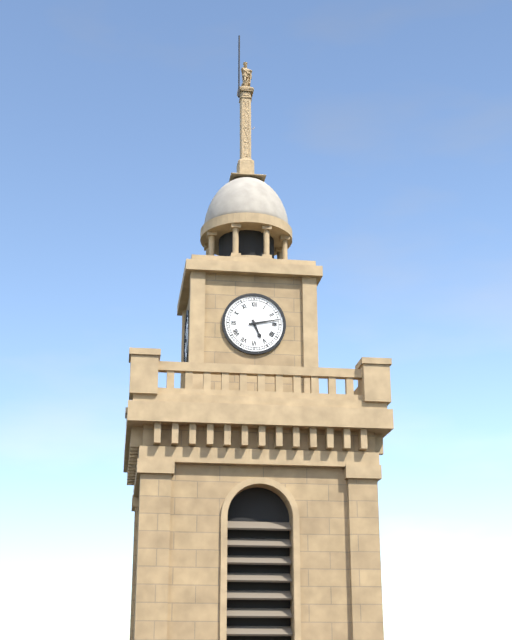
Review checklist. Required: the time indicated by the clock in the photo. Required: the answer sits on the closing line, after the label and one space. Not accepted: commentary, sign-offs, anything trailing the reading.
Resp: 5:13
